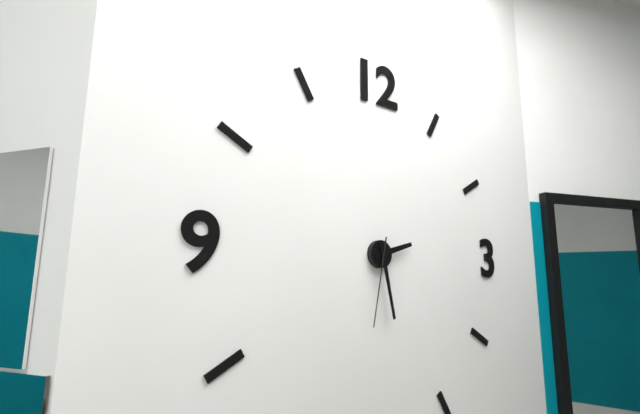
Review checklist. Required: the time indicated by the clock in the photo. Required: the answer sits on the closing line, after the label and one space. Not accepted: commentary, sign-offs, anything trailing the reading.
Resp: 2:28:32
